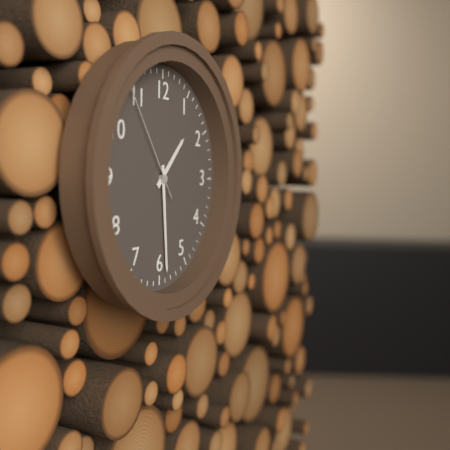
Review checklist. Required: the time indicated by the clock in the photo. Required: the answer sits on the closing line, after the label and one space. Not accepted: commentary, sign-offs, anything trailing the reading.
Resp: 1:29:54
